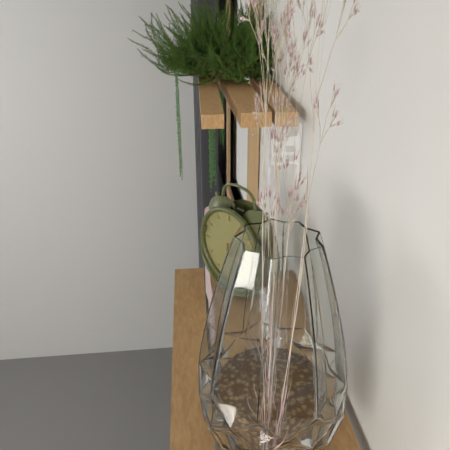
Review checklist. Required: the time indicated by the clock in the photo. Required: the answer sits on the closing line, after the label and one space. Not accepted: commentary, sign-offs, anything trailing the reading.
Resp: 4:05
